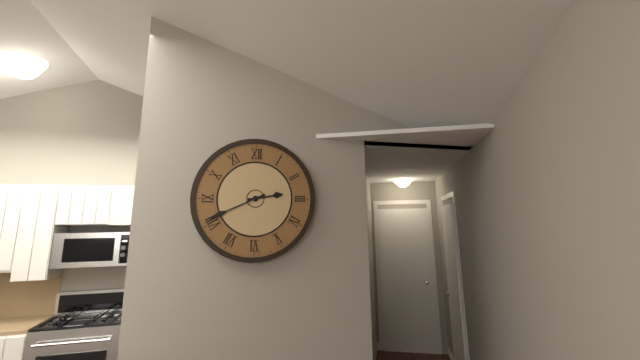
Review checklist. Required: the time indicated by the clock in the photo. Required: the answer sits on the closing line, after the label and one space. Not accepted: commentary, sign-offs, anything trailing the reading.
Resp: 2:41
